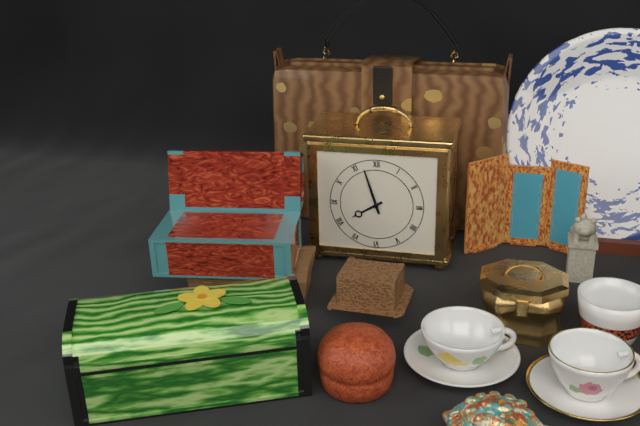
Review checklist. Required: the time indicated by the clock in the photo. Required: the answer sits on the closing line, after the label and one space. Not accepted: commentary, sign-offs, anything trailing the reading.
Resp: 7:57
